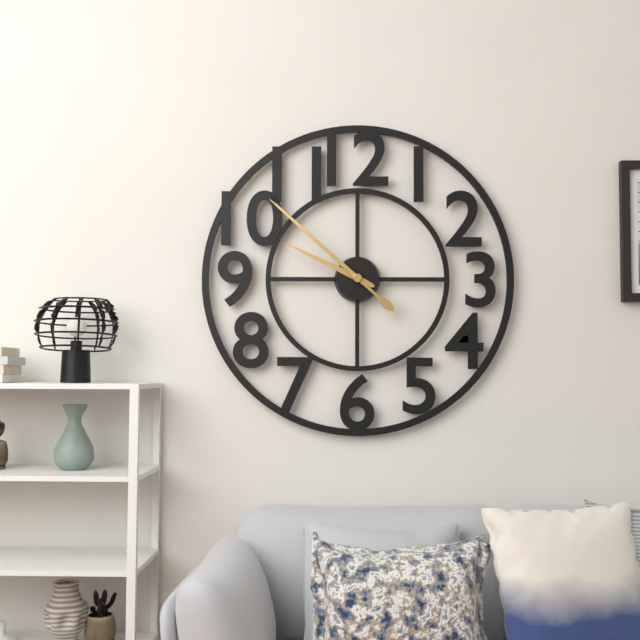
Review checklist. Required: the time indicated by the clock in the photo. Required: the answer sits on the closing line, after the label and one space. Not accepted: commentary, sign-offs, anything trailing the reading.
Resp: 9:52
